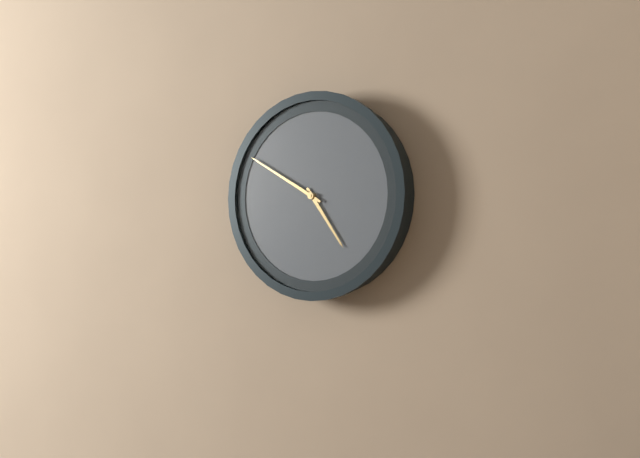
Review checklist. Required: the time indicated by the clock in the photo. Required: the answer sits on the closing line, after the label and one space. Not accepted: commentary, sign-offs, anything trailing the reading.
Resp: 4:50
